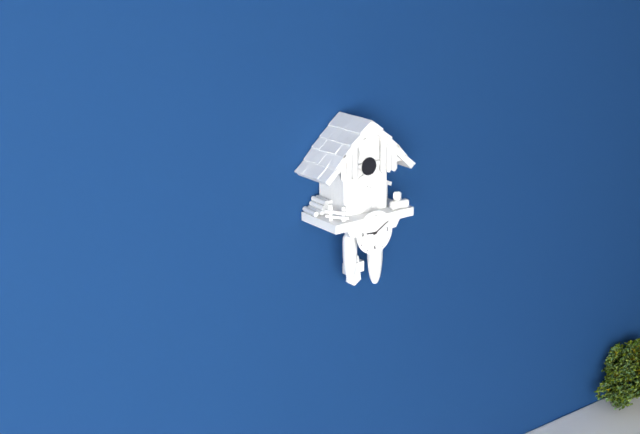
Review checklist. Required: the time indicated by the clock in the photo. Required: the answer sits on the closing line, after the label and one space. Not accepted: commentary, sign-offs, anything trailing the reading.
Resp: 9:10
